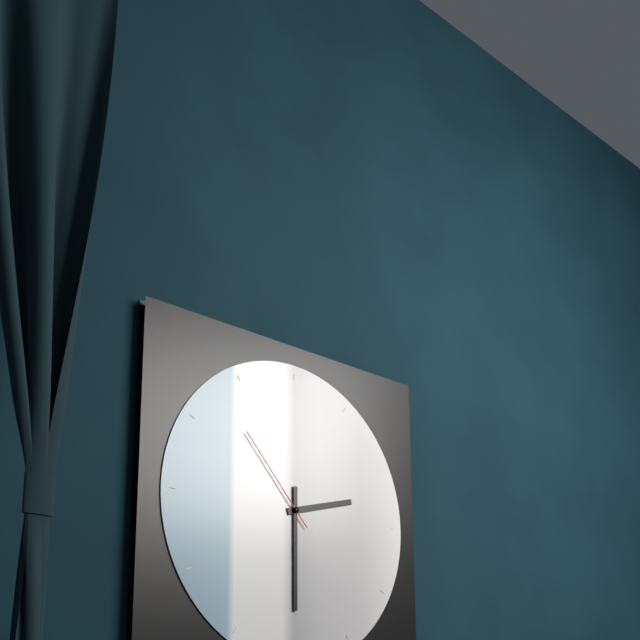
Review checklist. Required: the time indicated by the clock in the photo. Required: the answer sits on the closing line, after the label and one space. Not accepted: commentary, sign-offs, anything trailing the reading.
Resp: 2:30:53
